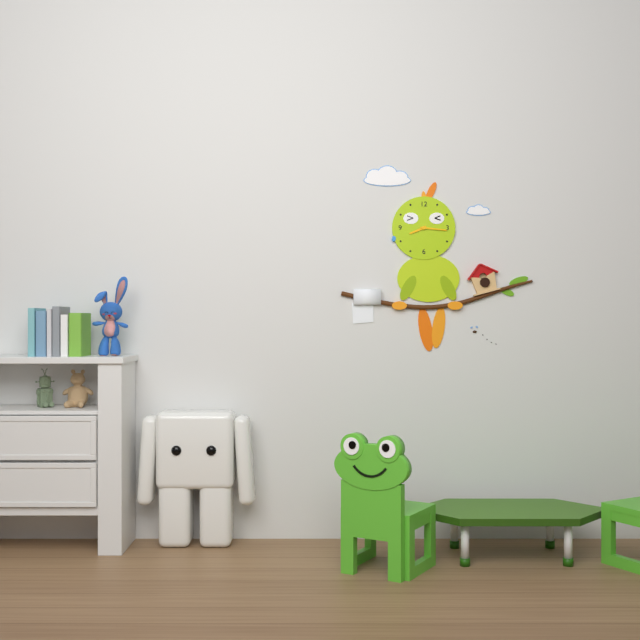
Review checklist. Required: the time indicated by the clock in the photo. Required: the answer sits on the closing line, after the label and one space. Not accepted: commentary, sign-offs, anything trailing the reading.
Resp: 8:16
